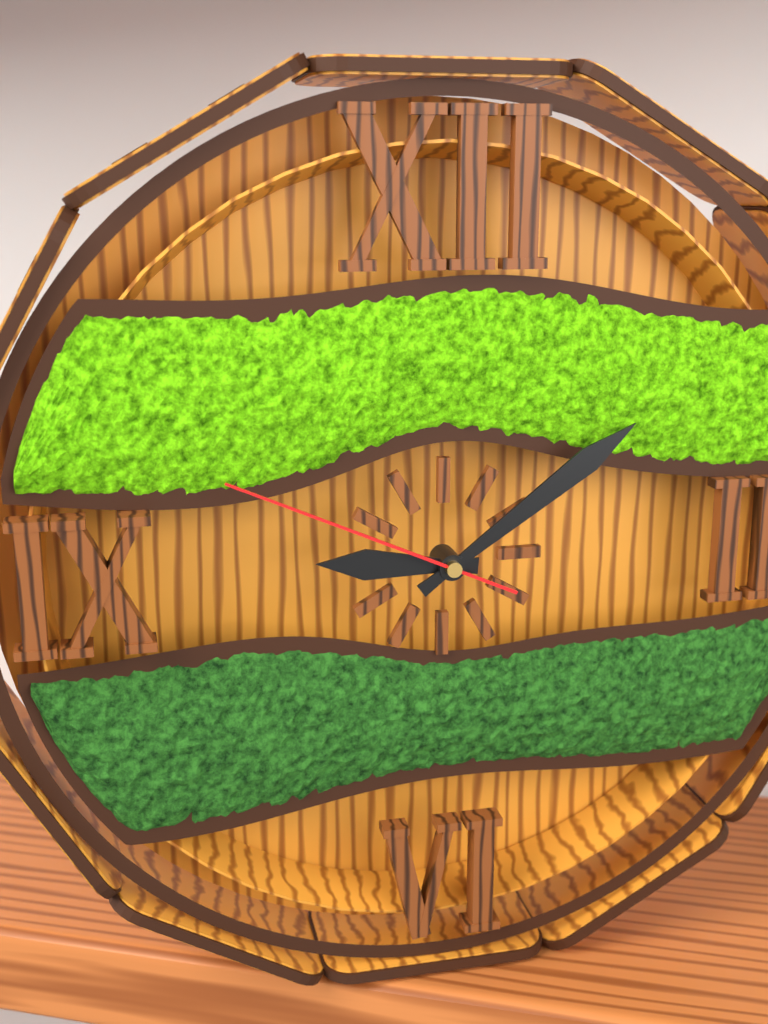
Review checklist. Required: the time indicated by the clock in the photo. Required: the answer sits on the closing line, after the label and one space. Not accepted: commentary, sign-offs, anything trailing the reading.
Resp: 9:09:49
